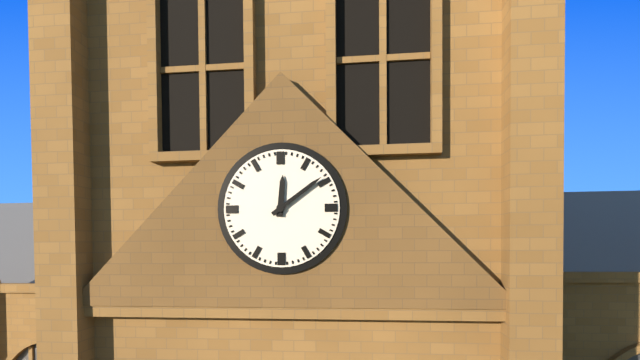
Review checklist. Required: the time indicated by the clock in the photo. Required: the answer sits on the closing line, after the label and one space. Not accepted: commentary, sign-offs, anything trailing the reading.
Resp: 12:09
